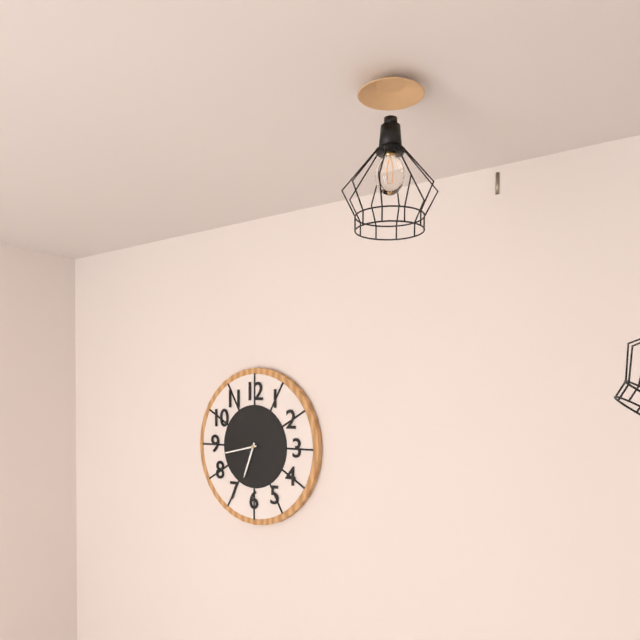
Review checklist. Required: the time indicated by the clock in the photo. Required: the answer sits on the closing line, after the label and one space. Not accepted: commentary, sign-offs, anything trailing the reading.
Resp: 6:43
